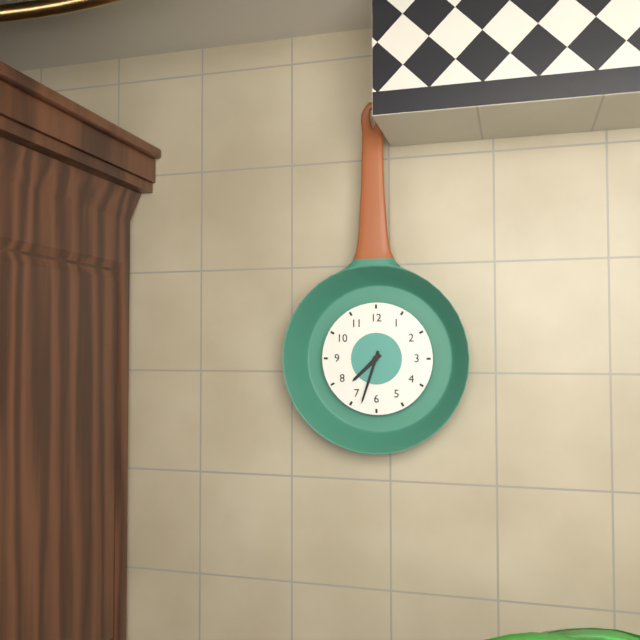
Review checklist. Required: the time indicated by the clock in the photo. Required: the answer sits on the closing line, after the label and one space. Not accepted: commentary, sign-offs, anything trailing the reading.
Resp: 7:33
